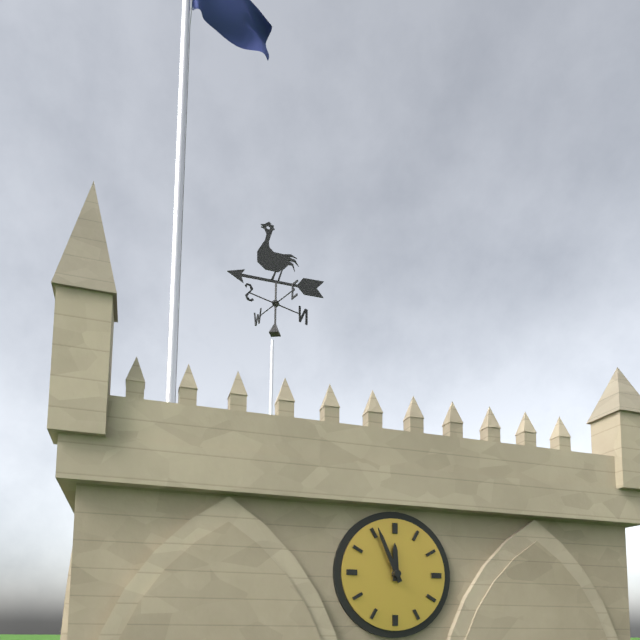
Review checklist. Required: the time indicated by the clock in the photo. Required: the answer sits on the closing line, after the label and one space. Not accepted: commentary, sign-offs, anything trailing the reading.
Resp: 11:56
